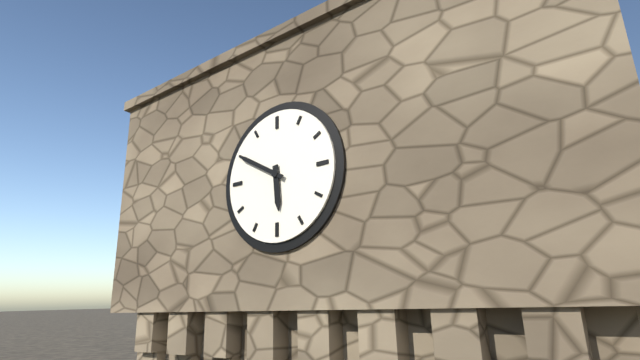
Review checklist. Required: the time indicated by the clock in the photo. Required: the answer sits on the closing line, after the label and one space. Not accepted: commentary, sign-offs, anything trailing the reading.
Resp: 5:50
